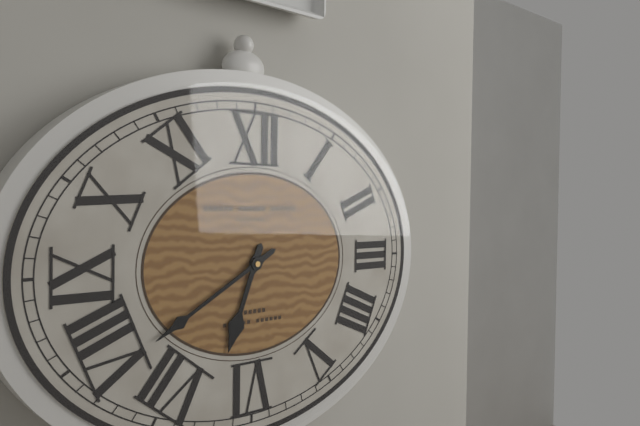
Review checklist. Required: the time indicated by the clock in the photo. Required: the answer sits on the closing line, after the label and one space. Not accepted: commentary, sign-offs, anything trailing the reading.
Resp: 6:40
